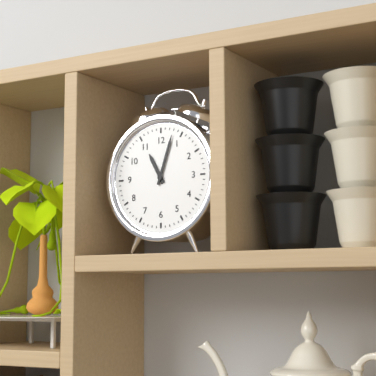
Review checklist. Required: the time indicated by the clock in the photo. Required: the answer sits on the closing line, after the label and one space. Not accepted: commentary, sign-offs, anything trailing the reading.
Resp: 11:03
